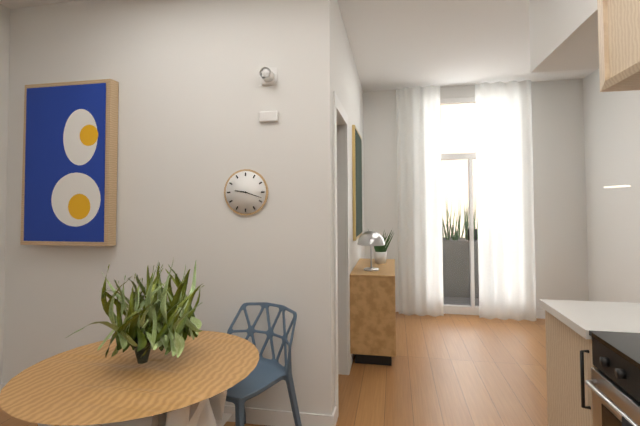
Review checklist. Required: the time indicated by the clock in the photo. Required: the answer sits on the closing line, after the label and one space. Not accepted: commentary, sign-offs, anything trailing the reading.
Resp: 9:18
